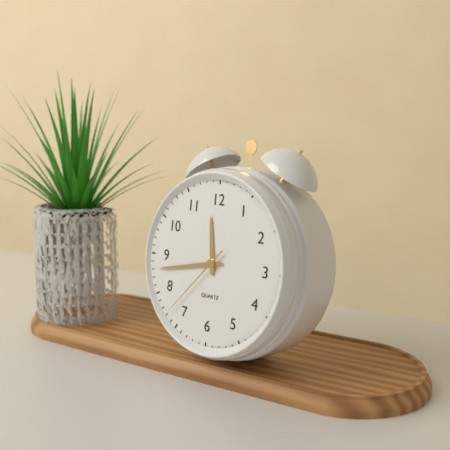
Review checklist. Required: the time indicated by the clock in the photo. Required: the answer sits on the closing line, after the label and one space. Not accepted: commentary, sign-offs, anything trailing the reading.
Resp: 11:43:37
